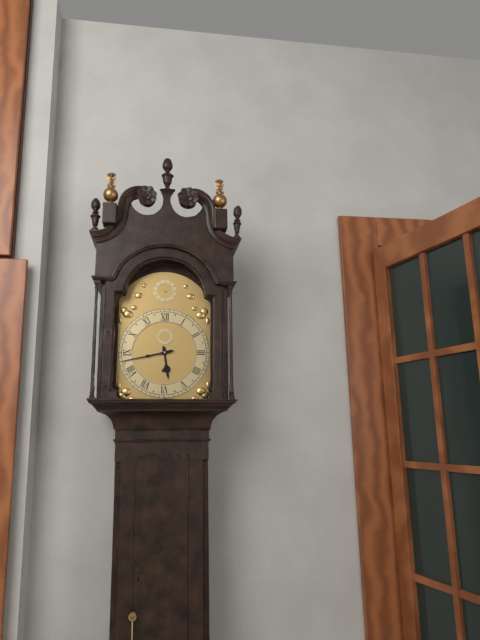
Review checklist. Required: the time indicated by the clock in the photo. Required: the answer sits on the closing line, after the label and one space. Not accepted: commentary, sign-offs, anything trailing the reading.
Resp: 5:43
